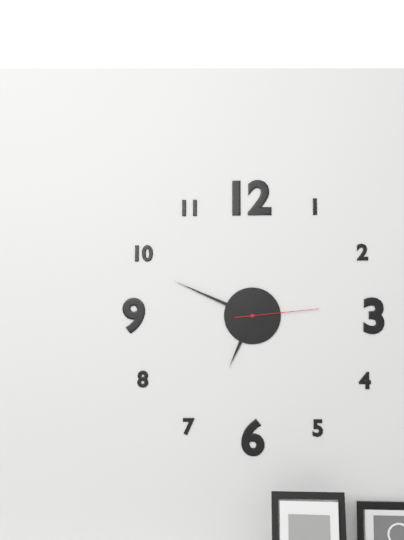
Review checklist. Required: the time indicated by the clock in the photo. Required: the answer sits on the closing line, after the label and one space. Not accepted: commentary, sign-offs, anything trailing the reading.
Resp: 6:49:14
